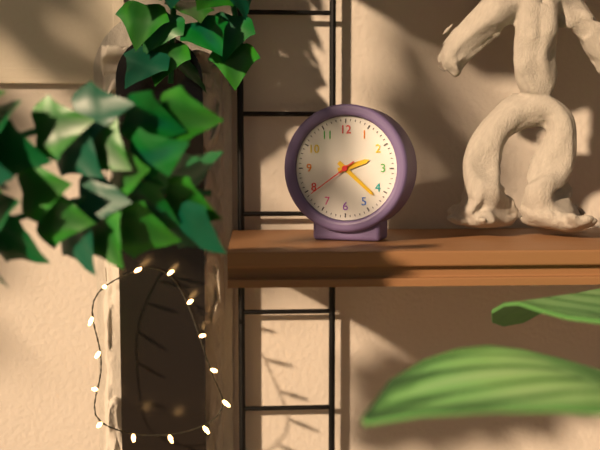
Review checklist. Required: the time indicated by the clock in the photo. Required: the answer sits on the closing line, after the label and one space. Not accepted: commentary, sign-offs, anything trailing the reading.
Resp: 2:22:39
